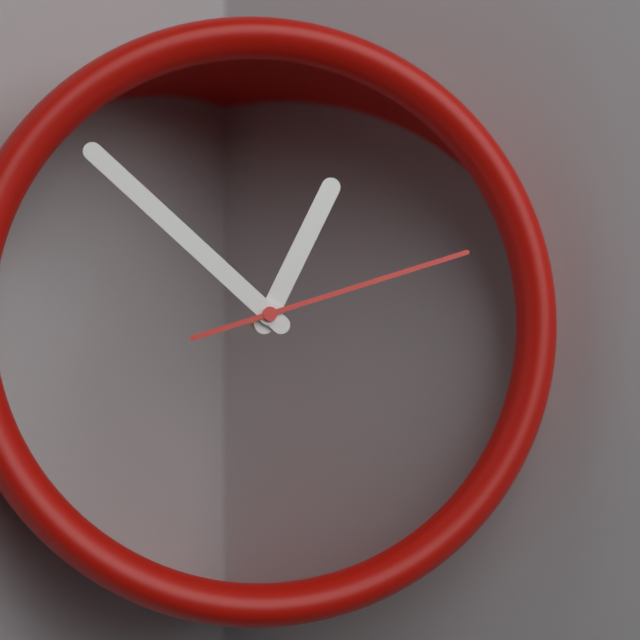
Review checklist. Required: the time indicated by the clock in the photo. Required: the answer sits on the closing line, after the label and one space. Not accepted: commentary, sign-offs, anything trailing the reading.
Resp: 12:52:12
